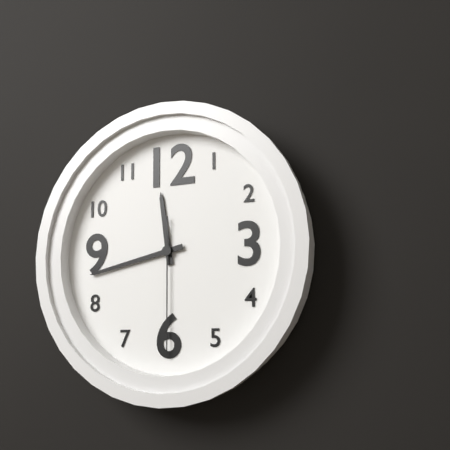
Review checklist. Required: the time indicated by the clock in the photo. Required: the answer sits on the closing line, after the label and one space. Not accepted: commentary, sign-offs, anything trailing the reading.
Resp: 11:43:30
